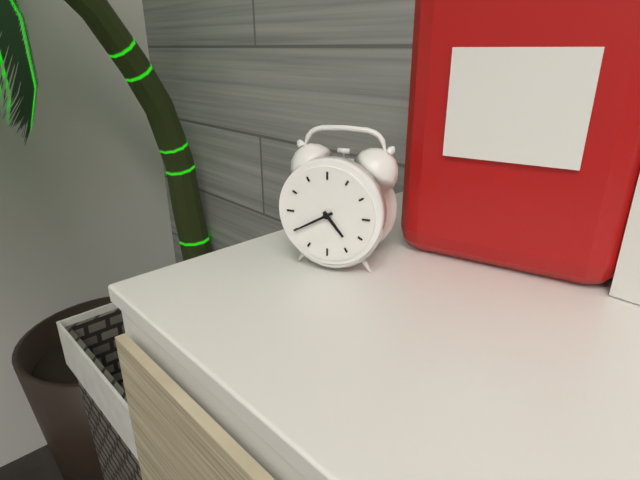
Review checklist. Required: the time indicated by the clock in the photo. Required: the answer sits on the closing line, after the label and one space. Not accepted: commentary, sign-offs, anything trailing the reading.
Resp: 4:40
